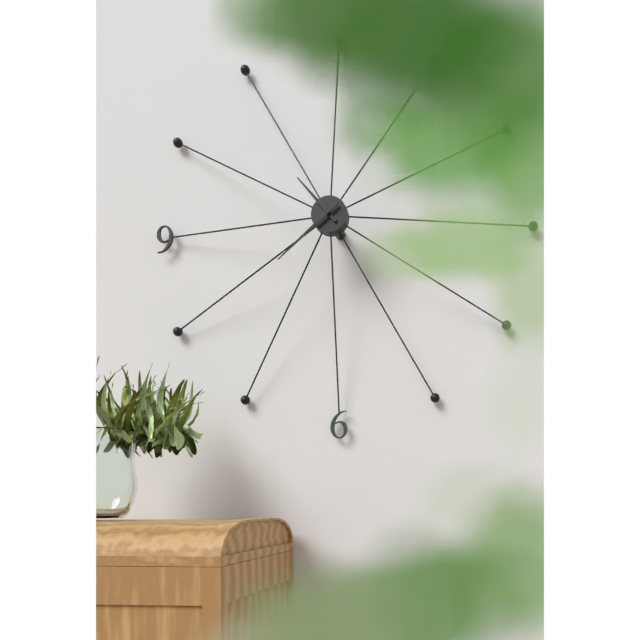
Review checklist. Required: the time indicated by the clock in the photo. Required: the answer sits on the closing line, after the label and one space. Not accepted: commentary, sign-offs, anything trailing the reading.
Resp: 10:38
